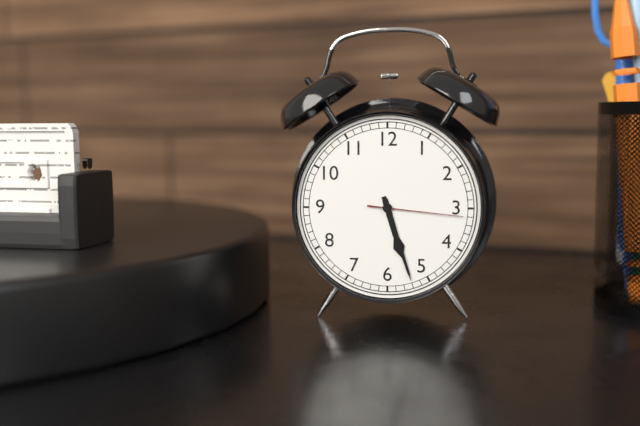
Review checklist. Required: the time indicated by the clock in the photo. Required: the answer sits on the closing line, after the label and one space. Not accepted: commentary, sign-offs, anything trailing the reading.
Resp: 5:27:16
